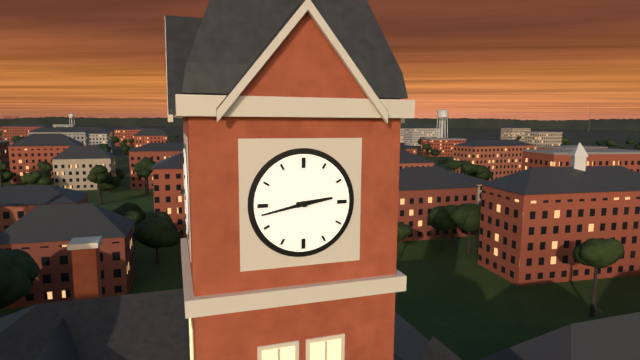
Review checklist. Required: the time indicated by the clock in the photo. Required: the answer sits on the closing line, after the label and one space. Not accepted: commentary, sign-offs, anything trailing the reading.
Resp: 2:43
